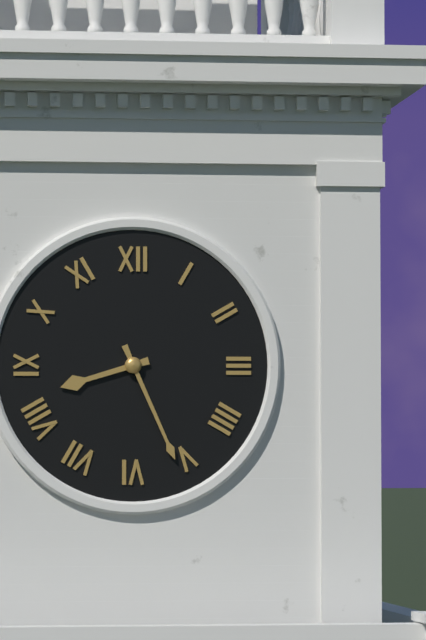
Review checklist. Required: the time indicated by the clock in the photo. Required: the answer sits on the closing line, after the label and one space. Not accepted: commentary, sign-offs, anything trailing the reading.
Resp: 8:26
